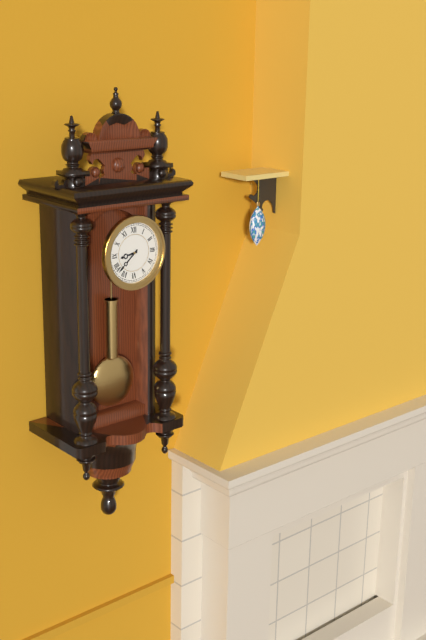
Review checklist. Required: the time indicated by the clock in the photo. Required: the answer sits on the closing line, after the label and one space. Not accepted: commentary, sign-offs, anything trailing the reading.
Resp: 8:38
